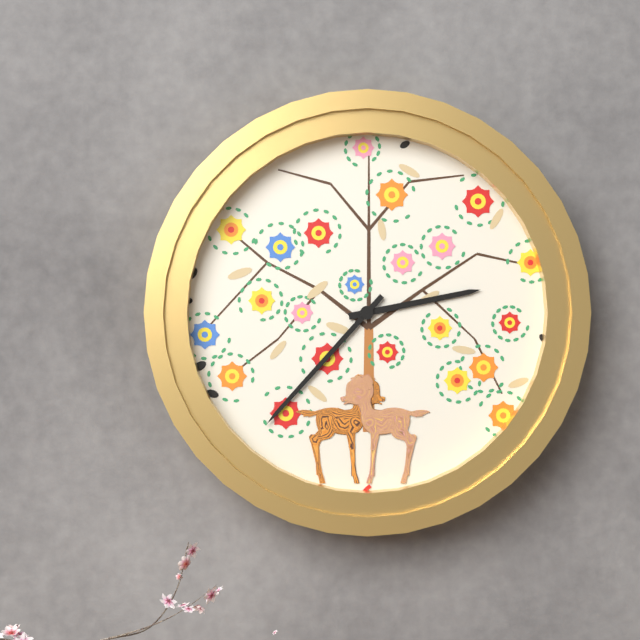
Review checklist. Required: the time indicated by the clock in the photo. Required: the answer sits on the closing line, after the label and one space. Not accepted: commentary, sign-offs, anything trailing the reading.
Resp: 2:37
